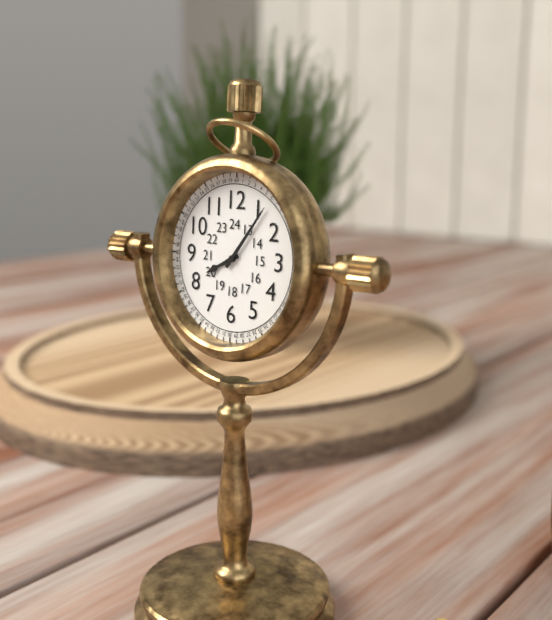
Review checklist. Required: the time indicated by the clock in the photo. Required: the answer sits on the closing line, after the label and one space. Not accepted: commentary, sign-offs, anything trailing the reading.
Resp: 8:06
